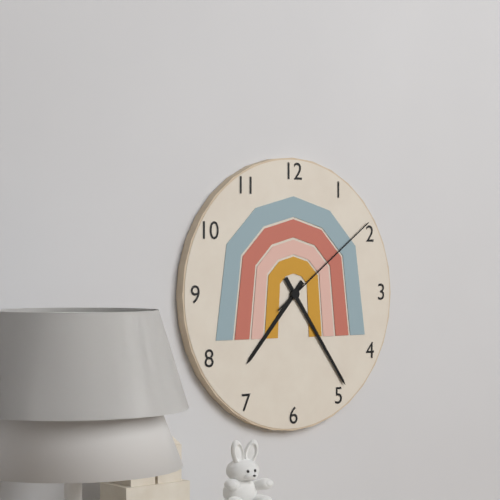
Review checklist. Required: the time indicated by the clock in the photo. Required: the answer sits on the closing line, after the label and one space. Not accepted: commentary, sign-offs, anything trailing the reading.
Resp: 7:24:09
